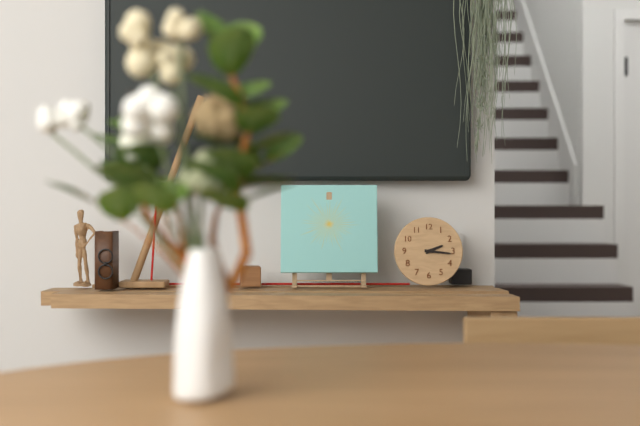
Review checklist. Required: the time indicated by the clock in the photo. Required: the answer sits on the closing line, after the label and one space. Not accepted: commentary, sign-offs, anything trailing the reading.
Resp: 2:16
